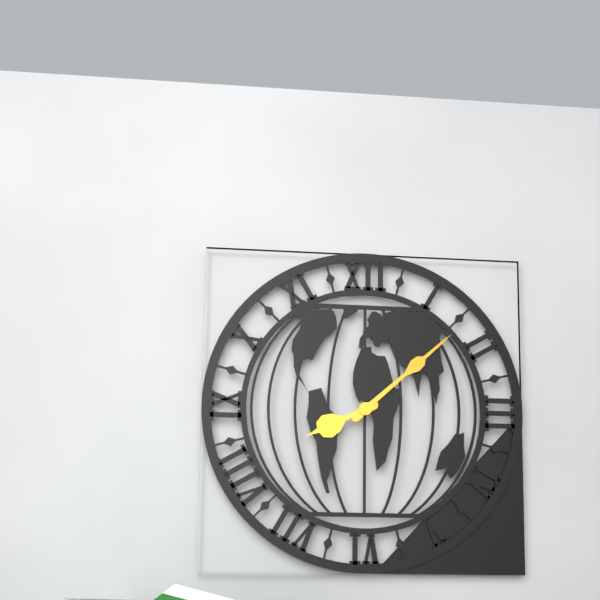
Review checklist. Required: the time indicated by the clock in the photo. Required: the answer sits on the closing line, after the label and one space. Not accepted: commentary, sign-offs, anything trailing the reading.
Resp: 8:08
